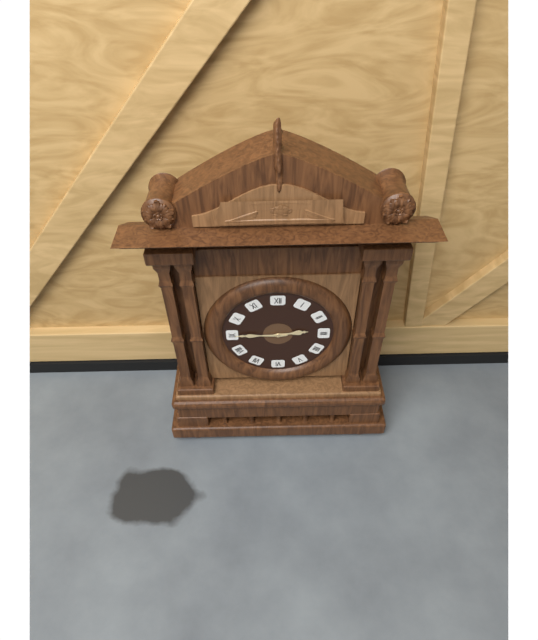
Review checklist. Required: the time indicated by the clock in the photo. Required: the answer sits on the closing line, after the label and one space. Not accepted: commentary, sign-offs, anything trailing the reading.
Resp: 2:45
